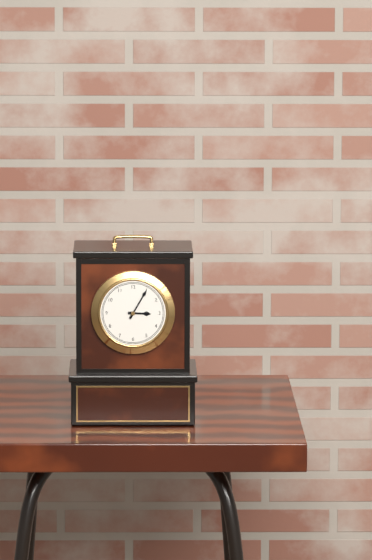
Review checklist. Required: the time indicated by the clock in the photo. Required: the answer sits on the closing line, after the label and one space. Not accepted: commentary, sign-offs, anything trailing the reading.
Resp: 3:05
